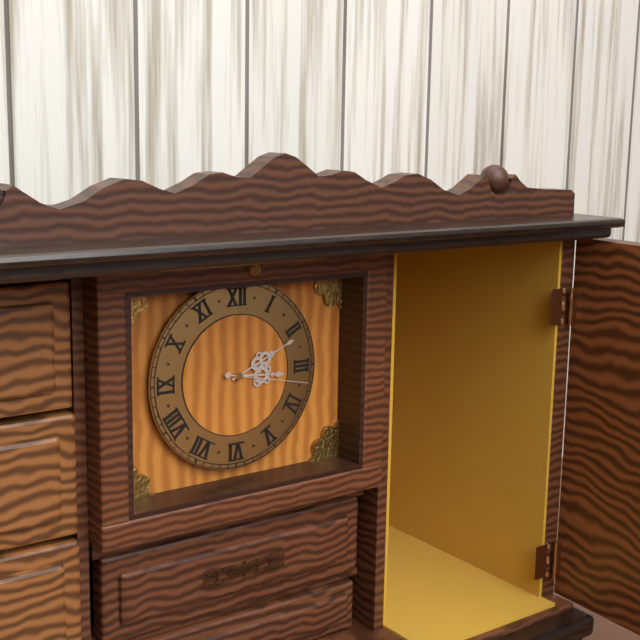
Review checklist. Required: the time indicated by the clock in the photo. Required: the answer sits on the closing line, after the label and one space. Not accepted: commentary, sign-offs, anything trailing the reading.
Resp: 3:11:17
